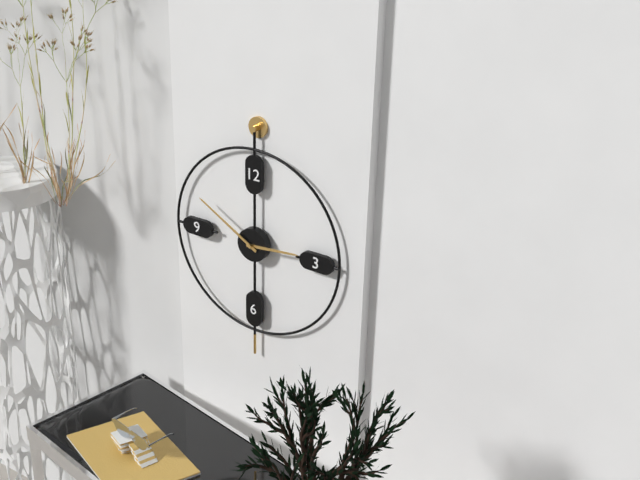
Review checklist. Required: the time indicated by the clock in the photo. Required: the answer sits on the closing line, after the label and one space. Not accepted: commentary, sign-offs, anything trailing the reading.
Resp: 2:50
